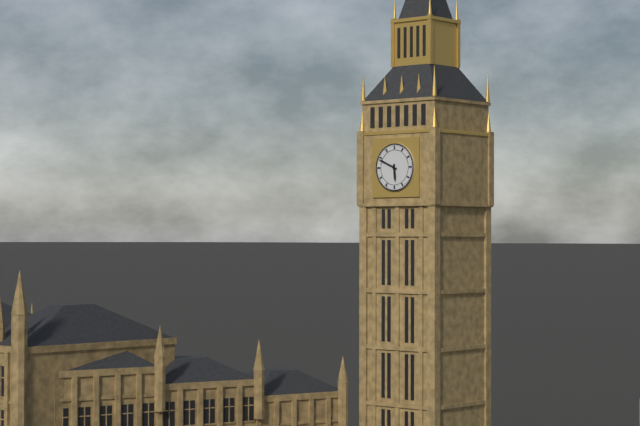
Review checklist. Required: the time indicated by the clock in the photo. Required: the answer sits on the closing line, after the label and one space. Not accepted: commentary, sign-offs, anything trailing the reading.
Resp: 5:49
